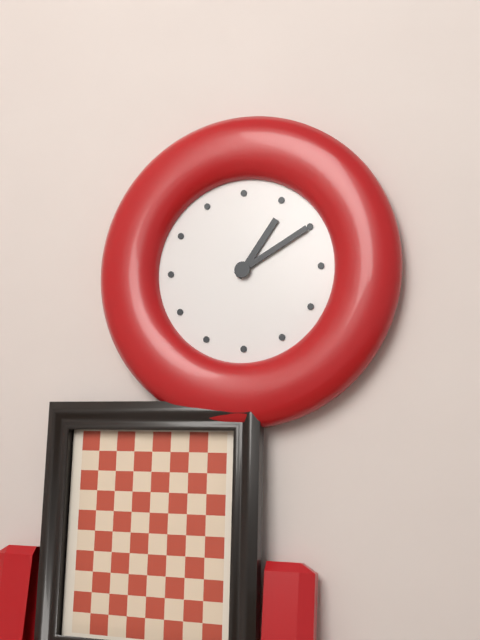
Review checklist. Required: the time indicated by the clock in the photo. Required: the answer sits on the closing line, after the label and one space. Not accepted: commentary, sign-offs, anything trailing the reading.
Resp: 1:10
